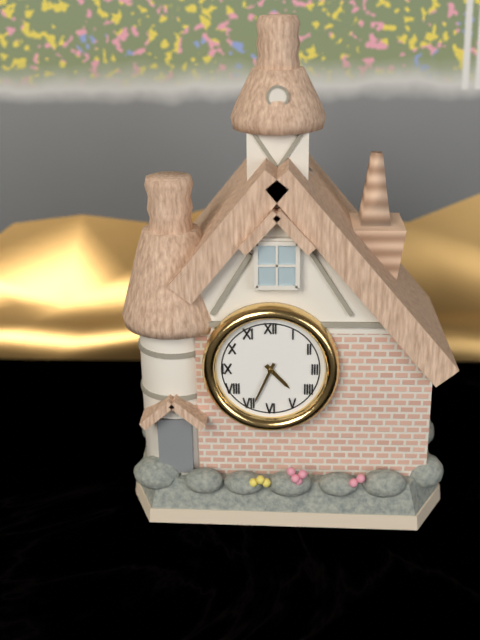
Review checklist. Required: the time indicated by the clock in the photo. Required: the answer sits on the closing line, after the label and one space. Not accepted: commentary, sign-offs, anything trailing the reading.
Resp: 4:34
